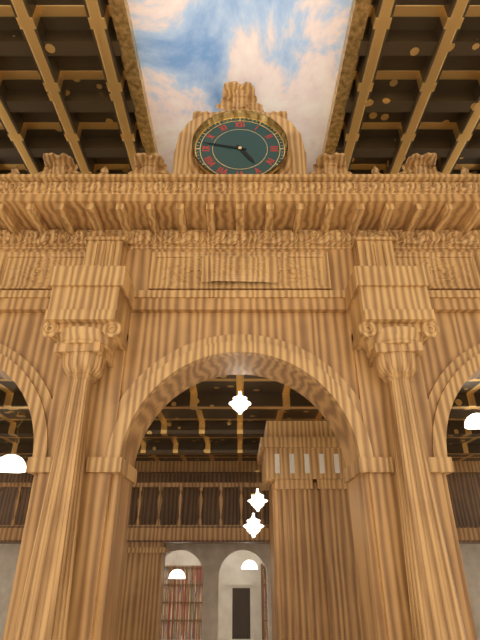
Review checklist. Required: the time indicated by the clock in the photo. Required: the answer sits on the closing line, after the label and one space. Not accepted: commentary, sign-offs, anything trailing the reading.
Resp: 4:47
